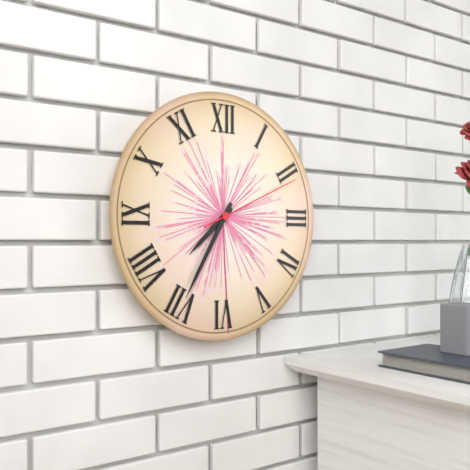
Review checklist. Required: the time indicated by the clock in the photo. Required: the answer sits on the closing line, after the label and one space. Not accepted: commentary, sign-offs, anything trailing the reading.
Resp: 7:35:11
